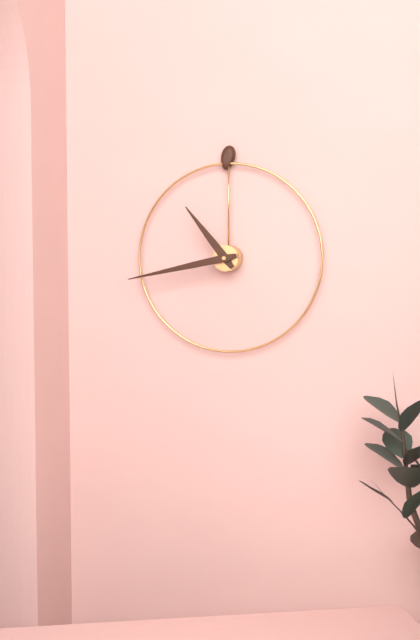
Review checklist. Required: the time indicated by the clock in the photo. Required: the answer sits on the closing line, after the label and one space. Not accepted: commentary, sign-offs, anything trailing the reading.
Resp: 10:43
